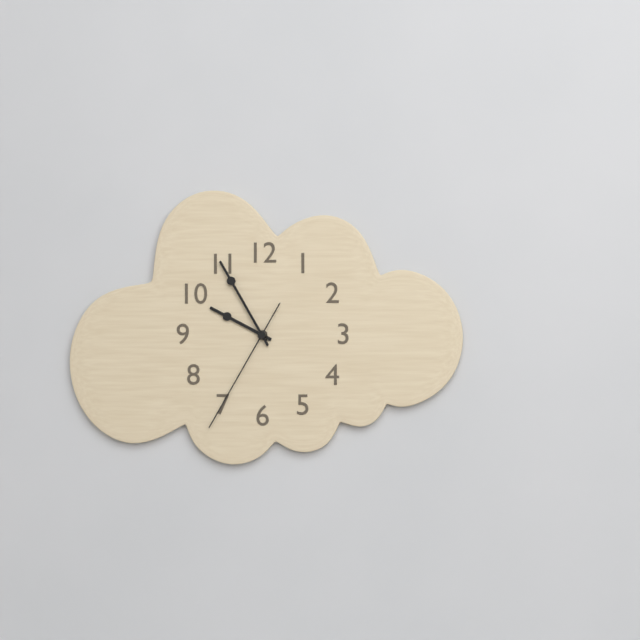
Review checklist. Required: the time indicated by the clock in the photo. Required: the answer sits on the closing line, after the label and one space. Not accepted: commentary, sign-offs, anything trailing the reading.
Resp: 9:55:35
